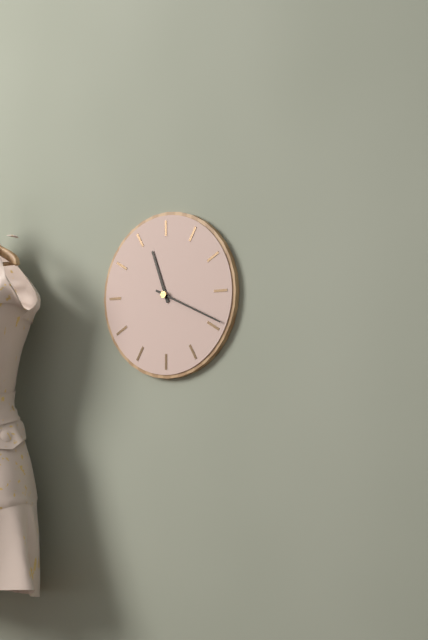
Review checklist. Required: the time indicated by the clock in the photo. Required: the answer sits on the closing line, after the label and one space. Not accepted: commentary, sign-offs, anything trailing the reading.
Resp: 11:19
